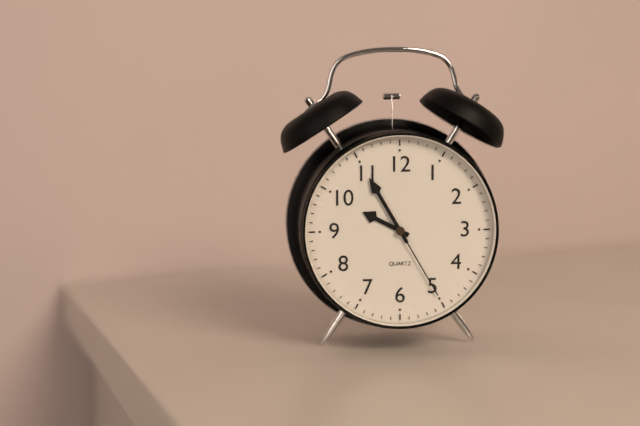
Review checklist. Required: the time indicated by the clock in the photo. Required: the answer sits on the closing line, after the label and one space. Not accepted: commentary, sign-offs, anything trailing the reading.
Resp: 9:55:25
